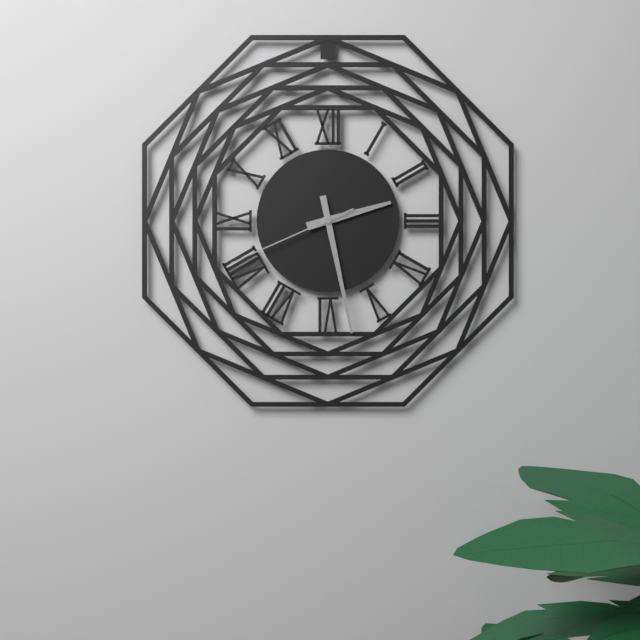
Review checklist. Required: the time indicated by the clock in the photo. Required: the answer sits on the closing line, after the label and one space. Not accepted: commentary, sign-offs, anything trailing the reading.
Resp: 2:28:41
